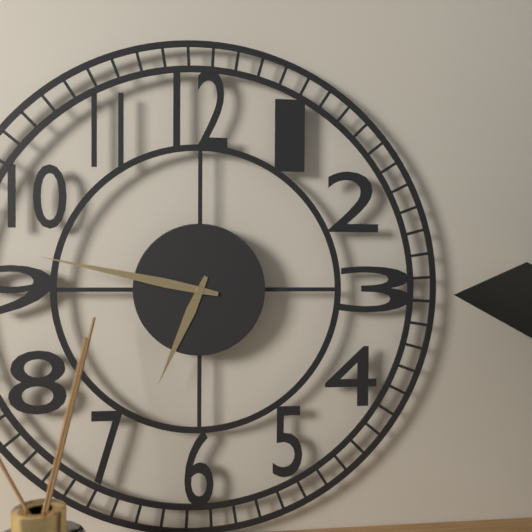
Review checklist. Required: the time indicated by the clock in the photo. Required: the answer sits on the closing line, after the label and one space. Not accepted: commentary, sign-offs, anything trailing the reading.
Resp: 6:47
